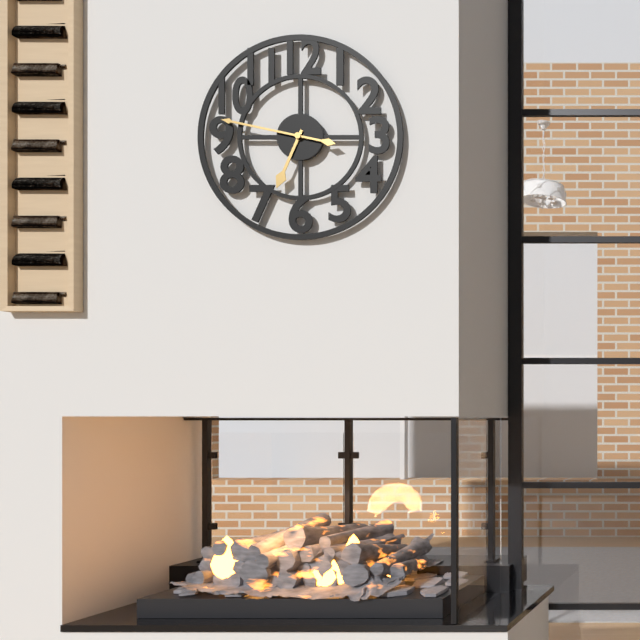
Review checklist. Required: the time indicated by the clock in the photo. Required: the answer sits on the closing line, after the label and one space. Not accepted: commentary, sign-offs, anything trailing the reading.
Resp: 6:47
